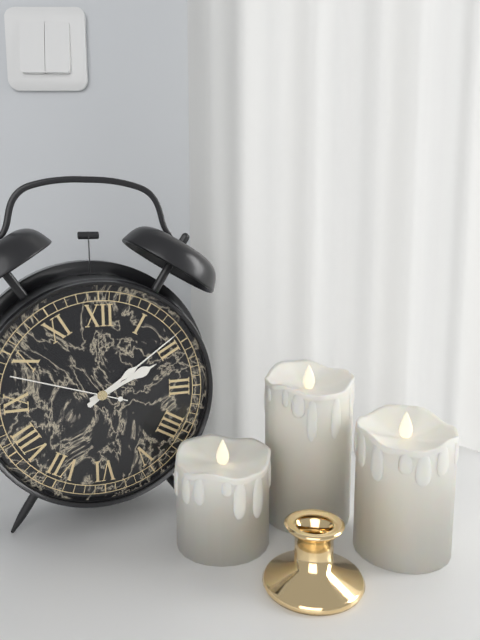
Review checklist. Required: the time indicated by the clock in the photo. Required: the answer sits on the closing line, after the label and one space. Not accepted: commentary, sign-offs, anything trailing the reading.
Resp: 2:09:48
